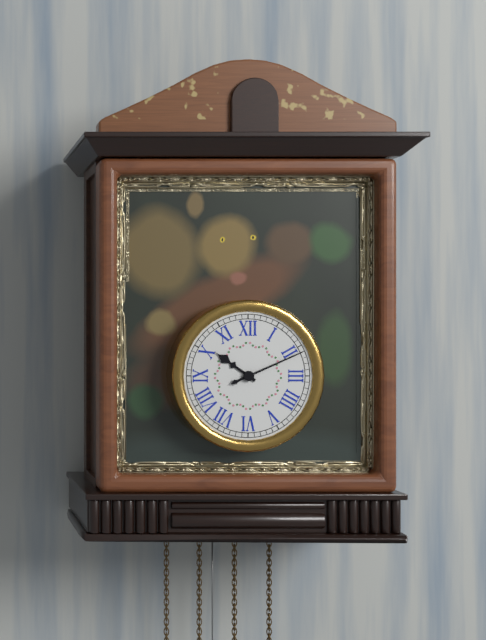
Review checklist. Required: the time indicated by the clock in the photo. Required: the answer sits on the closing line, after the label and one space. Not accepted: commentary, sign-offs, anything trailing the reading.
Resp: 10:11
